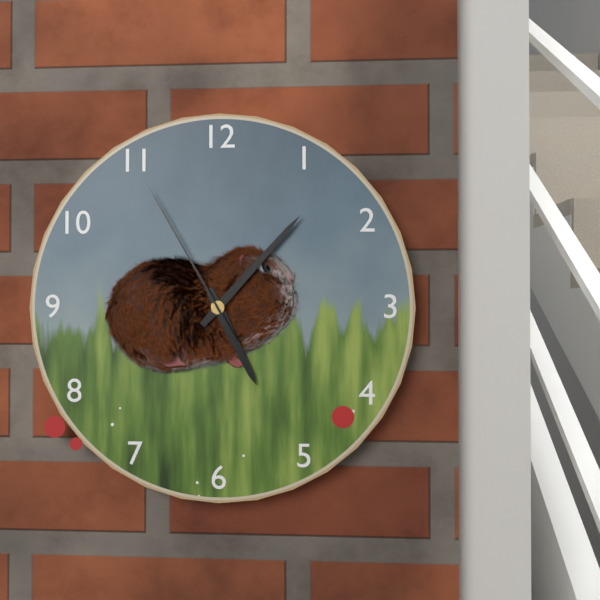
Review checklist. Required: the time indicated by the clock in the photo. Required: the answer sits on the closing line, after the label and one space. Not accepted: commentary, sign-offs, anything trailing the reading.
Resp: 5:07:55
